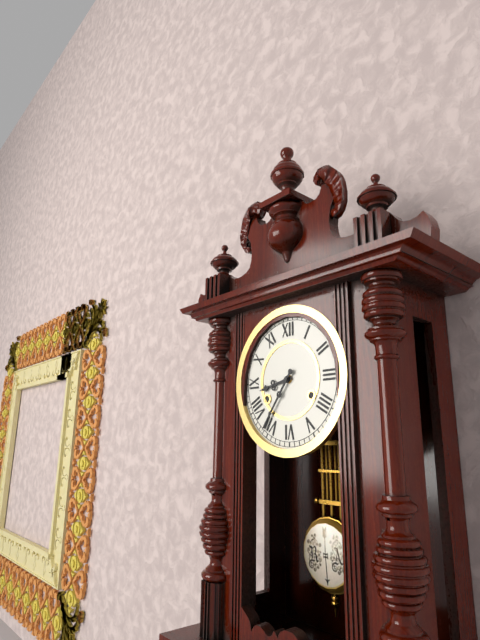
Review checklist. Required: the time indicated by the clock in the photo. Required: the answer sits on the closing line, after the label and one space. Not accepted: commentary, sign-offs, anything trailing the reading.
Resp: 8:36
